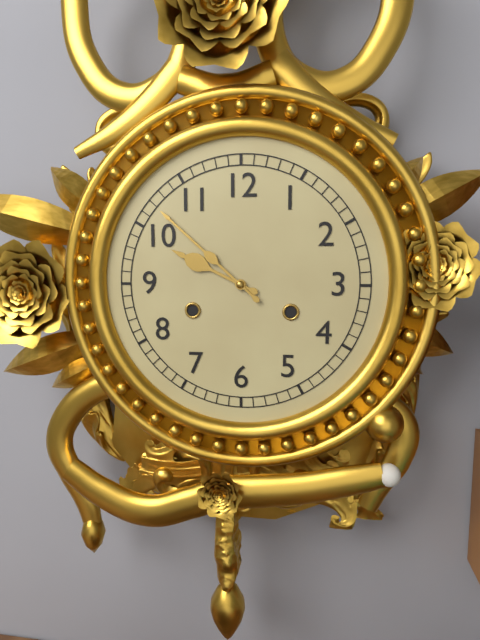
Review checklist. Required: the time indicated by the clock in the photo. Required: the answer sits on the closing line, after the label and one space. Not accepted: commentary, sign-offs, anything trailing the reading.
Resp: 9:52
